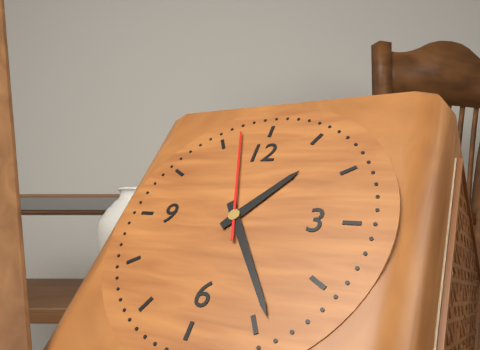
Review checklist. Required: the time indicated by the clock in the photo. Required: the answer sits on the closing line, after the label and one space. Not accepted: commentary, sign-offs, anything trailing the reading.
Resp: 1:24:57
